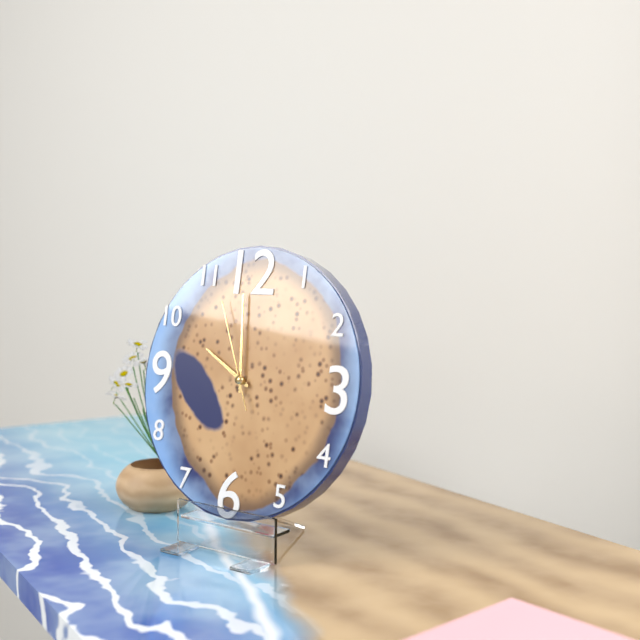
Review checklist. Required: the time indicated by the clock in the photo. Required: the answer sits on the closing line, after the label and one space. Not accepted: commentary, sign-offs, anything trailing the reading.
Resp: 9:59:56
